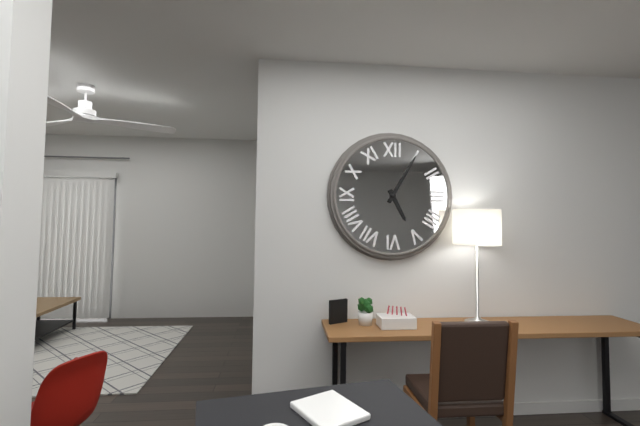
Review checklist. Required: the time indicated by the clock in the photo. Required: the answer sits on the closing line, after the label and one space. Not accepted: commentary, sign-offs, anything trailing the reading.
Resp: 5:05
